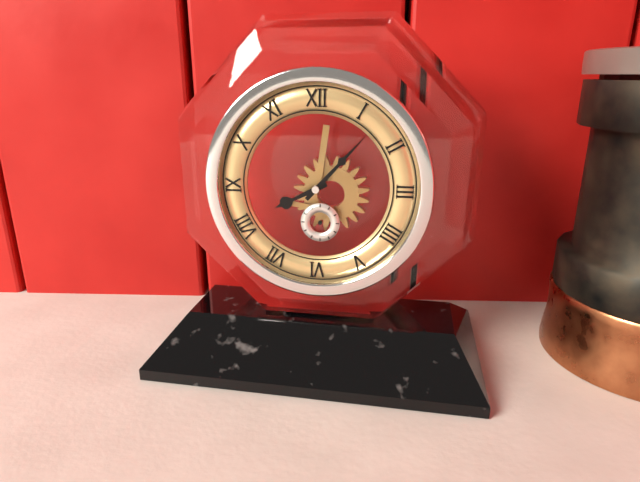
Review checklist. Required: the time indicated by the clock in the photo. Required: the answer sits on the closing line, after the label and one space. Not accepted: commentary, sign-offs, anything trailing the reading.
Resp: 8:07
